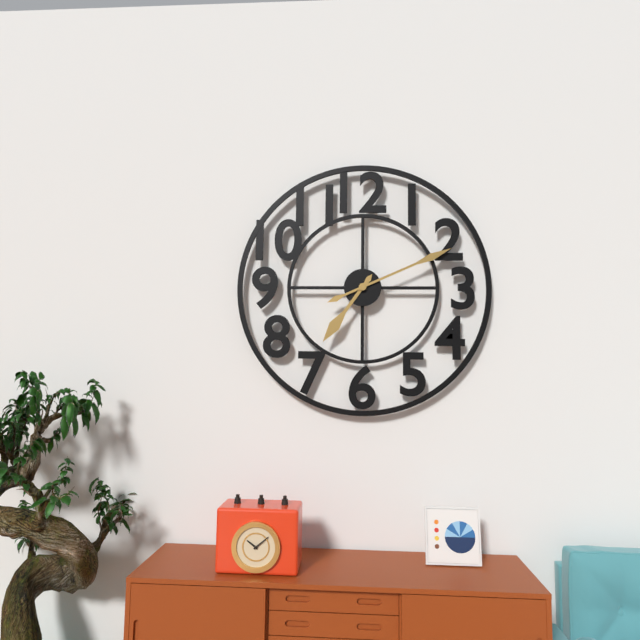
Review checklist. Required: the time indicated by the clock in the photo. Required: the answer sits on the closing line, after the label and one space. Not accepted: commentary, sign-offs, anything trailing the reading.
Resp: 7:11
